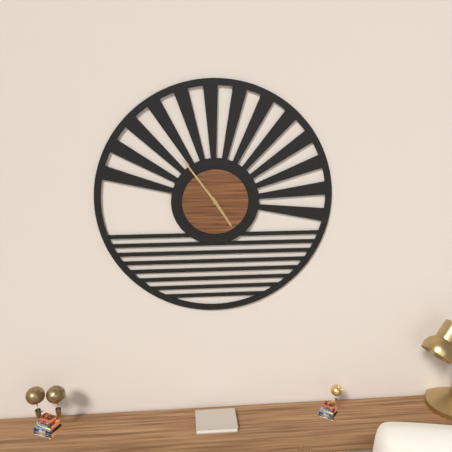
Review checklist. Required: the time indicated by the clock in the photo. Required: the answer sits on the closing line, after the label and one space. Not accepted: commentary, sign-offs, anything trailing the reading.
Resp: 4:54
